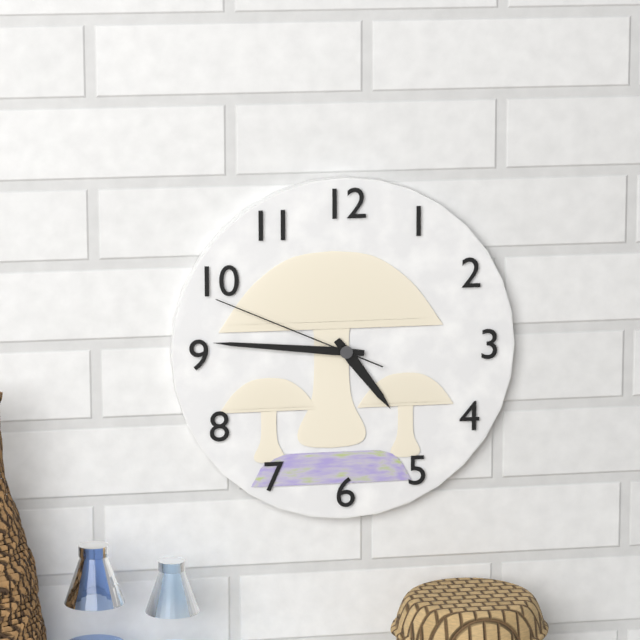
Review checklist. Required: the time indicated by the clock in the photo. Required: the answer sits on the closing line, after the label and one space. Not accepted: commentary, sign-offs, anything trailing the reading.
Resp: 4:46:49
